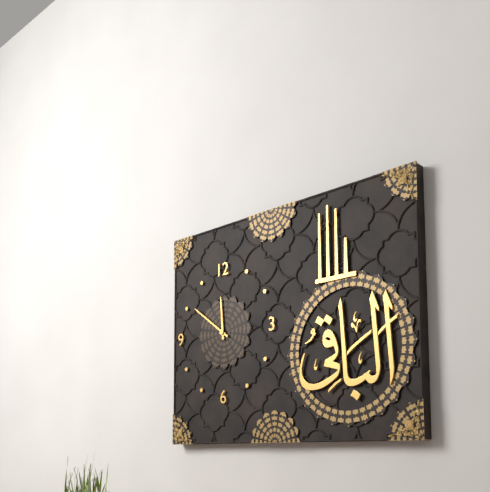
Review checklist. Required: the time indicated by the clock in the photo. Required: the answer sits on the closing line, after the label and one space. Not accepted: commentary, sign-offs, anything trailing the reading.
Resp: 11:51
